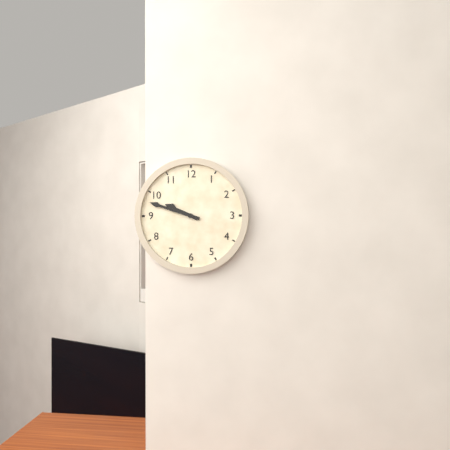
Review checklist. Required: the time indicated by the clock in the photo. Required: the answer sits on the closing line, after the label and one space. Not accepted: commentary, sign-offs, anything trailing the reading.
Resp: 9:48
